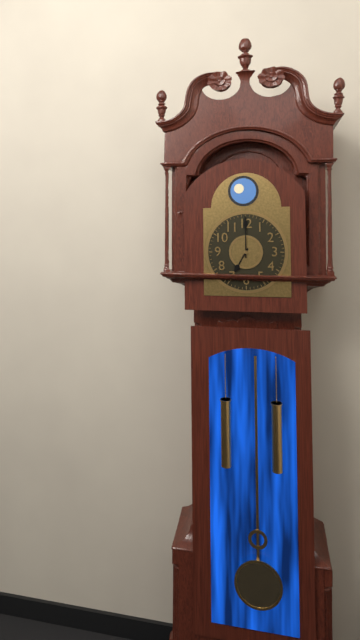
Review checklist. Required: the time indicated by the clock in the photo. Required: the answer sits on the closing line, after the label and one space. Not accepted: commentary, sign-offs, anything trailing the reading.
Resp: 7:00
